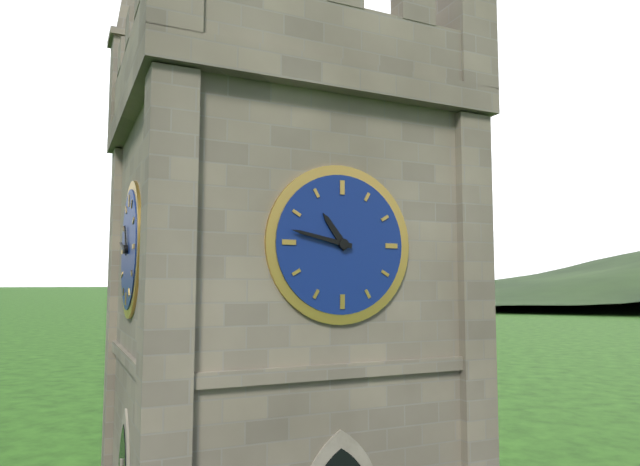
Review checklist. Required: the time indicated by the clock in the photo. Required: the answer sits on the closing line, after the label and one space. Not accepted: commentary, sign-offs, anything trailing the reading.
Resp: 10:47
